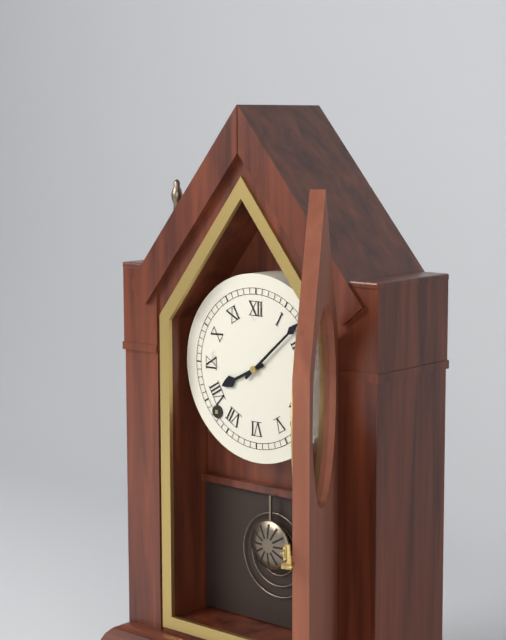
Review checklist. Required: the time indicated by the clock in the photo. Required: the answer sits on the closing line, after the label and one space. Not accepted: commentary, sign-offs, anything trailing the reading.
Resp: 8:08
